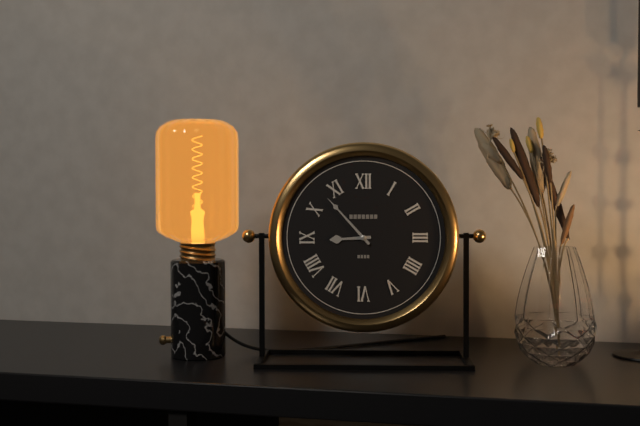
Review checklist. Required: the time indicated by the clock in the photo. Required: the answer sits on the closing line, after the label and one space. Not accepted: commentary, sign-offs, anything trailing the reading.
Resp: 8:53
